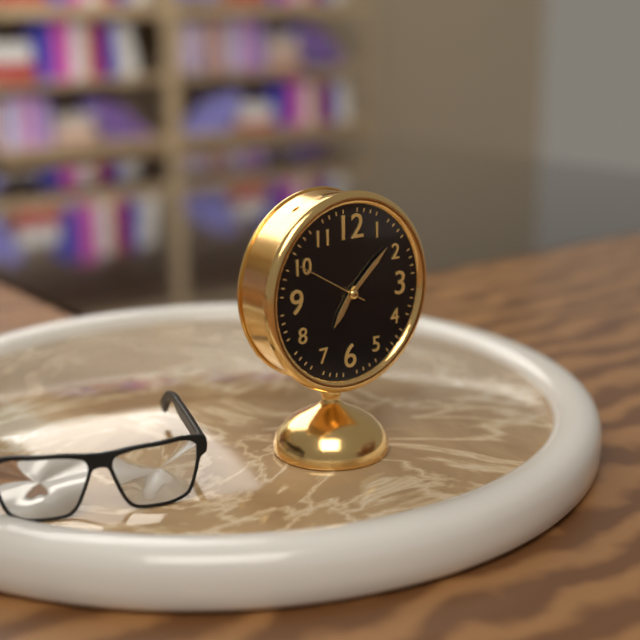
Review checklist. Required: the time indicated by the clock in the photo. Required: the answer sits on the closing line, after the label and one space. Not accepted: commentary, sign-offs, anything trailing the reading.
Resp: 7:08:50
